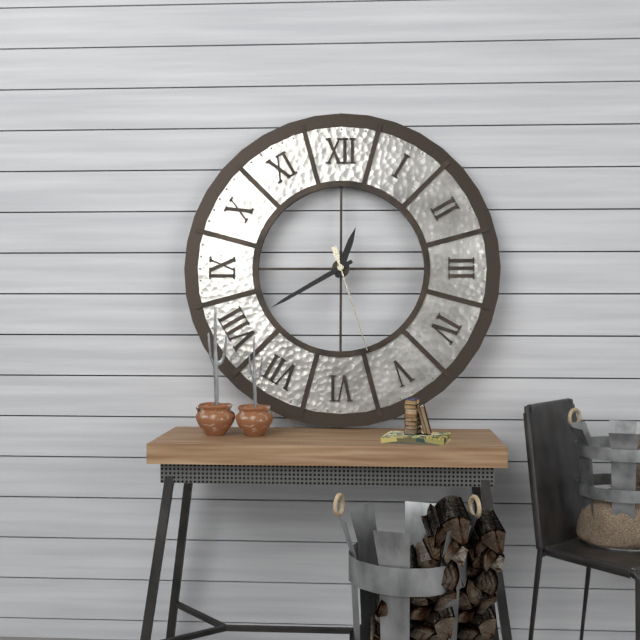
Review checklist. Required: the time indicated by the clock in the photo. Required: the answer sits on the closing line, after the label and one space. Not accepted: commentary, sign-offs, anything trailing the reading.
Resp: 12:40:27
